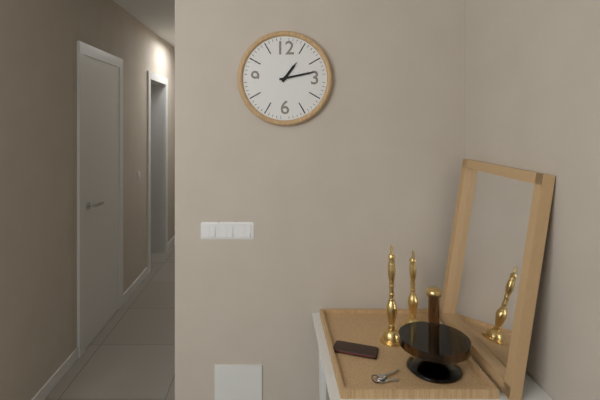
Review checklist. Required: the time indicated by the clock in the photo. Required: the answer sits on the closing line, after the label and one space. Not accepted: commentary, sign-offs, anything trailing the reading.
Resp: 1:13
